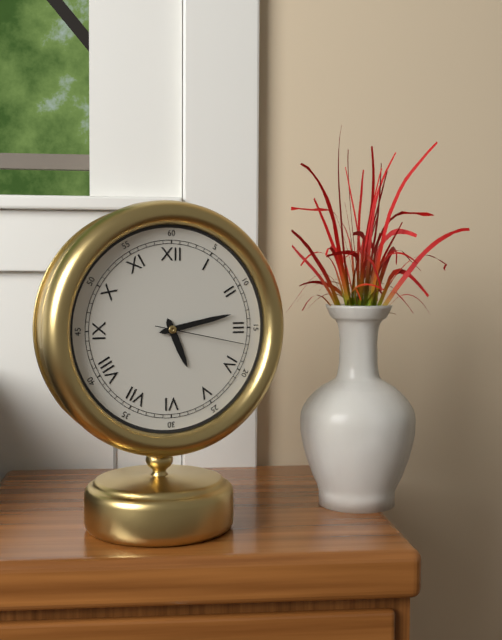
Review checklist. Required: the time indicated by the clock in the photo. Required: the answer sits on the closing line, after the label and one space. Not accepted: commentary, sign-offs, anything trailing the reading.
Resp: 5:13:17
